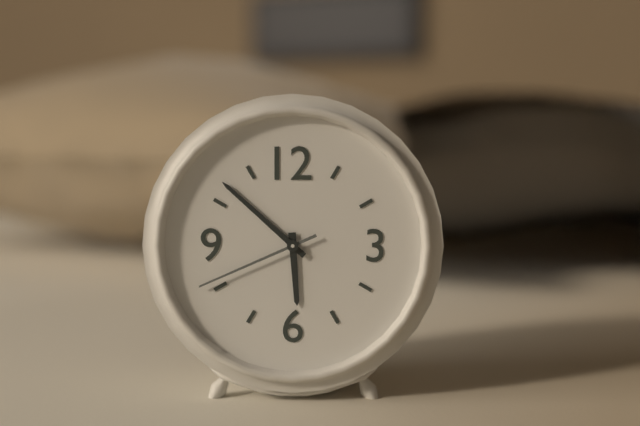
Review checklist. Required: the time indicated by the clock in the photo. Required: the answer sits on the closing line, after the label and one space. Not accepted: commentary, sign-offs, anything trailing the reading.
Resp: 5:52:41
